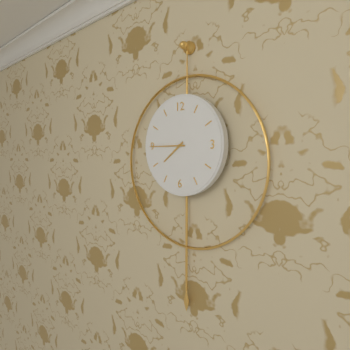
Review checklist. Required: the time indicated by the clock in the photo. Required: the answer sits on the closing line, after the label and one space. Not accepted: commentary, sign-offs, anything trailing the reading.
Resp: 7:45
